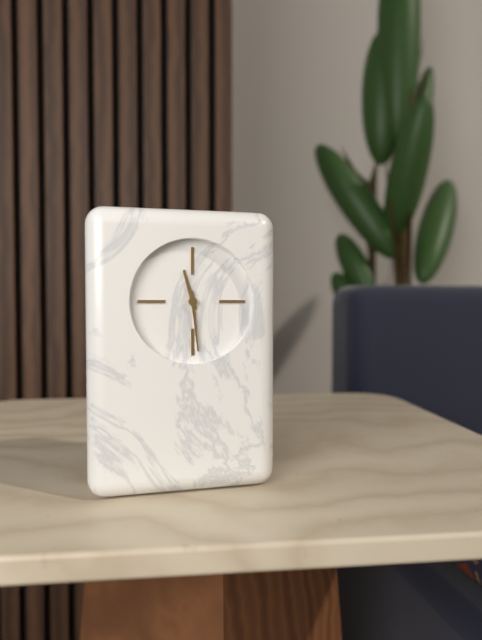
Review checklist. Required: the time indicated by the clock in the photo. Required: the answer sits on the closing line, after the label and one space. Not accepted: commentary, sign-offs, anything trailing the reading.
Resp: 11:29
